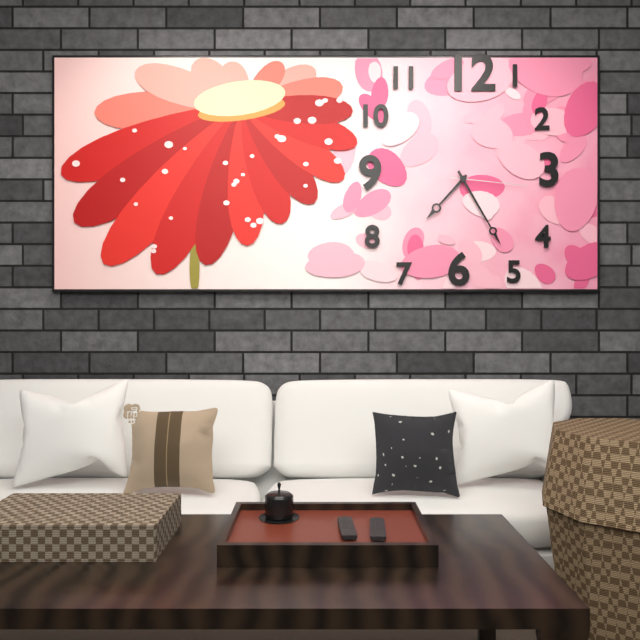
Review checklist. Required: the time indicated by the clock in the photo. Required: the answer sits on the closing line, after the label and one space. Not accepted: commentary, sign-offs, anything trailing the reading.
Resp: 7:25:16
